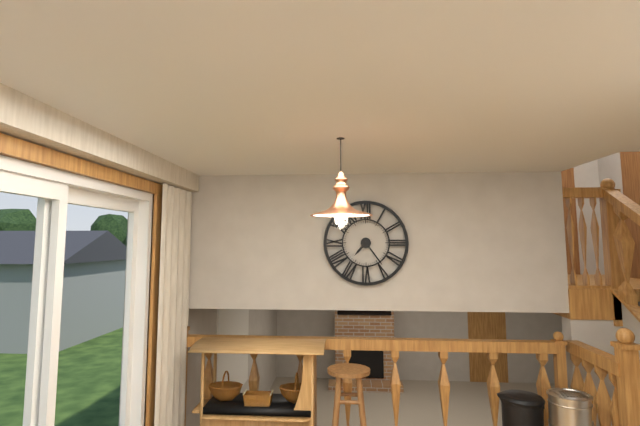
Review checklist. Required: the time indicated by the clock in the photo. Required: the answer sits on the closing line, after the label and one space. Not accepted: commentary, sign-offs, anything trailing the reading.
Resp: 7:24
